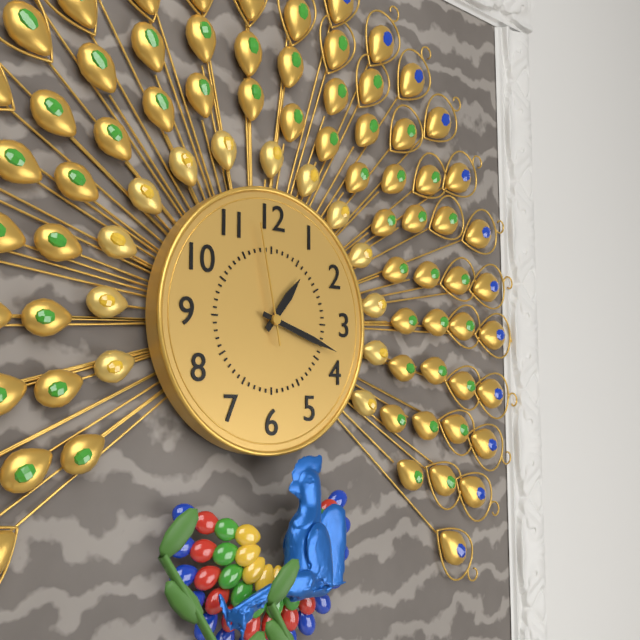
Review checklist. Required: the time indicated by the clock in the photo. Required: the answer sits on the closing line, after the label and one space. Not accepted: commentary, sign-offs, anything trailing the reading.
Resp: 1:18:58
